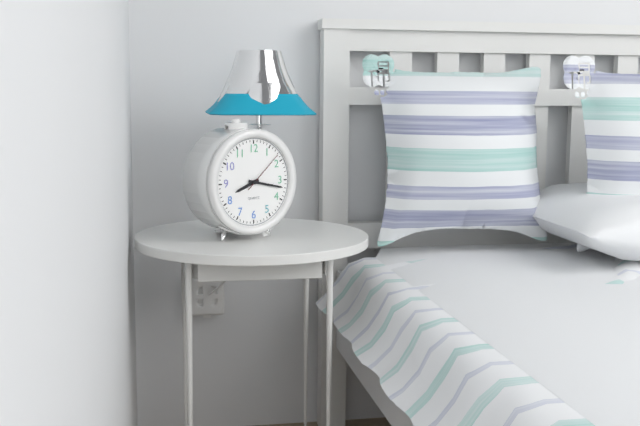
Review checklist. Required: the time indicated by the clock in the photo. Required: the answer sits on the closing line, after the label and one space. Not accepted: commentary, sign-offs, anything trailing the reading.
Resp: 8:17
